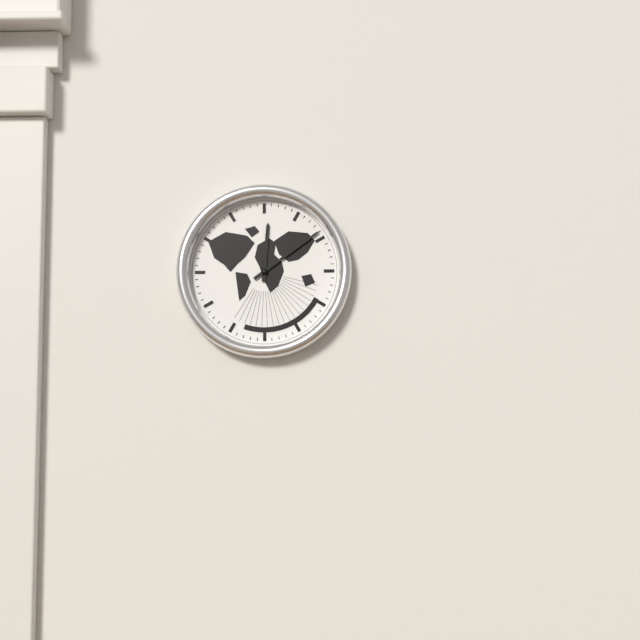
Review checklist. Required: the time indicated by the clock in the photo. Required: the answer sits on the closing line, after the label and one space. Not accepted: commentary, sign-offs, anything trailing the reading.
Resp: 12:09
